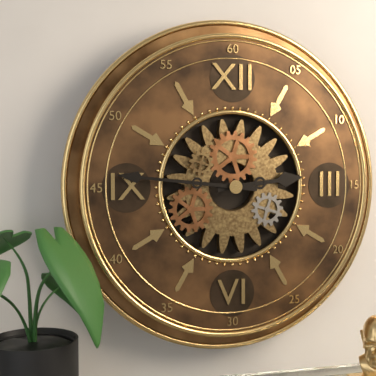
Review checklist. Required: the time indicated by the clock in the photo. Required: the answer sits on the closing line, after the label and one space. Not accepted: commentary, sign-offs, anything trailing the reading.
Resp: 2:46
